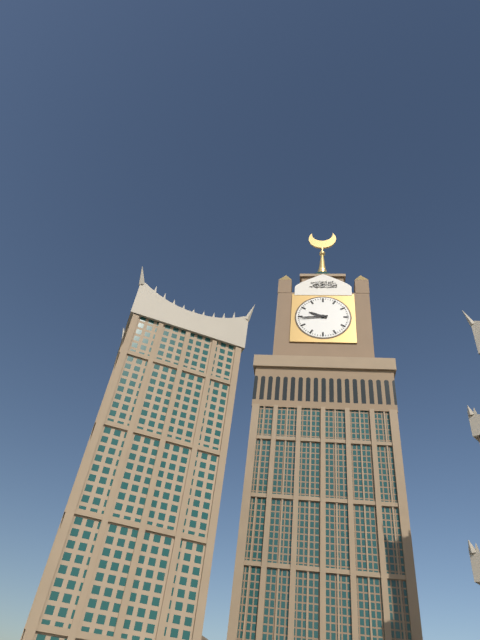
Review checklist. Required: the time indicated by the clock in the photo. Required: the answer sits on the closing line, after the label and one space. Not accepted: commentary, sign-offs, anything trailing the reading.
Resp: 9:44
